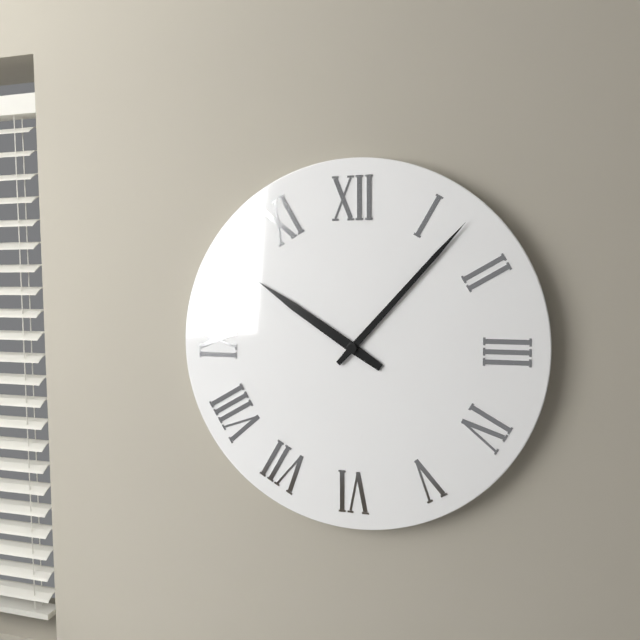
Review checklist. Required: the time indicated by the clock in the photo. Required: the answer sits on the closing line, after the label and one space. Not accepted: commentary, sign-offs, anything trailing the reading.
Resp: 10:07
